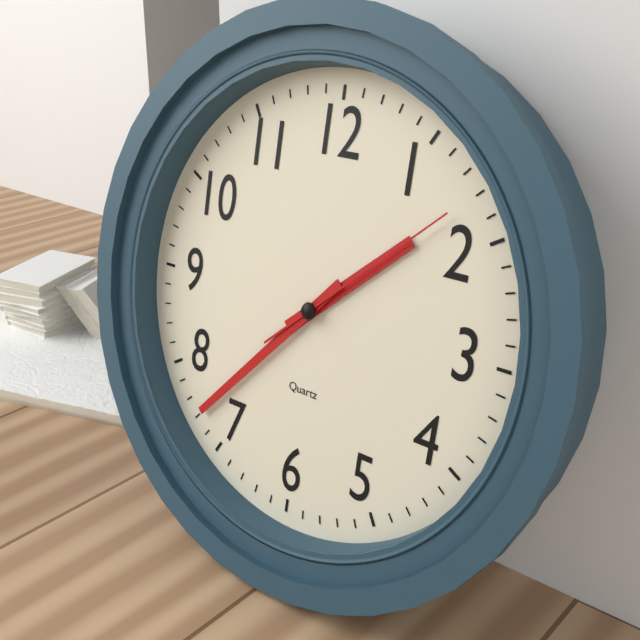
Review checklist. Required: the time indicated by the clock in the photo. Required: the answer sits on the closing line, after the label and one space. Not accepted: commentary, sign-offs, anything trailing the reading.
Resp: 1:37:08
